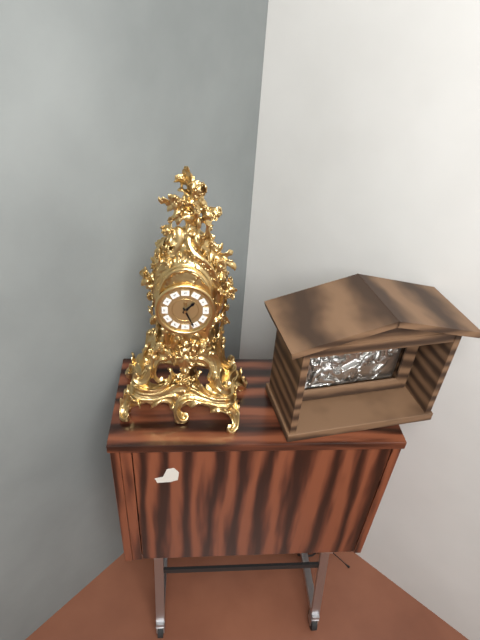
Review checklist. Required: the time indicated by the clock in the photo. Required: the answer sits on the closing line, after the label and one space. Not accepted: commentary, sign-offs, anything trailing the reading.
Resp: 1:26
